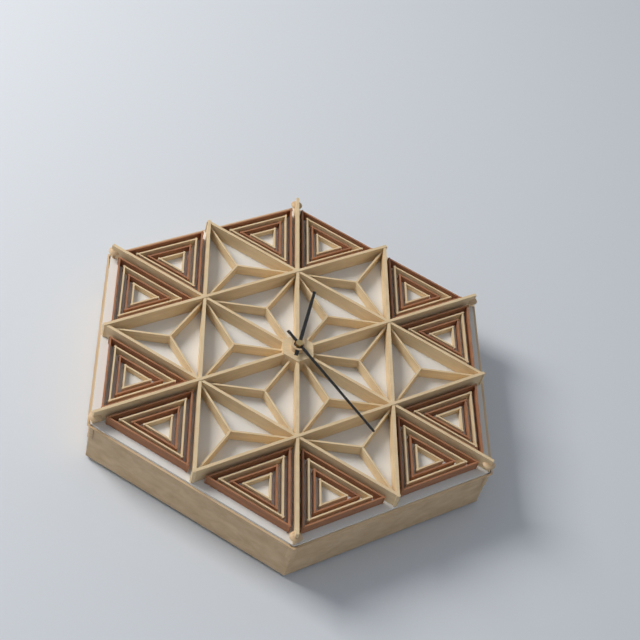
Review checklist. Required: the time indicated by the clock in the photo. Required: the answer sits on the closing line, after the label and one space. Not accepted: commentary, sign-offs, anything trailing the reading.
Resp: 12:24
